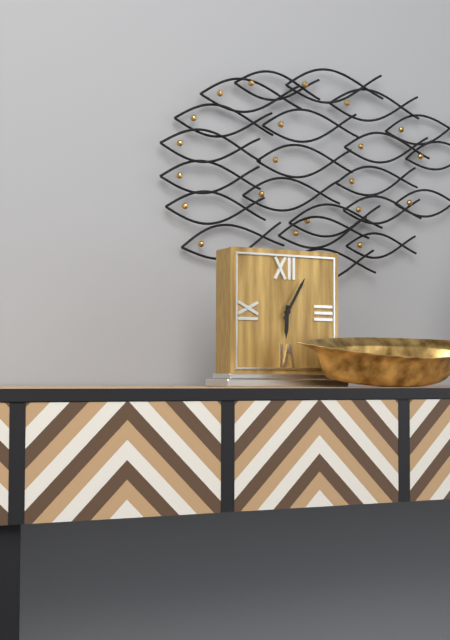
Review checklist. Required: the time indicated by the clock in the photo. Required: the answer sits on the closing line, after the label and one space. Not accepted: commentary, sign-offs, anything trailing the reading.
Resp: 6:05
